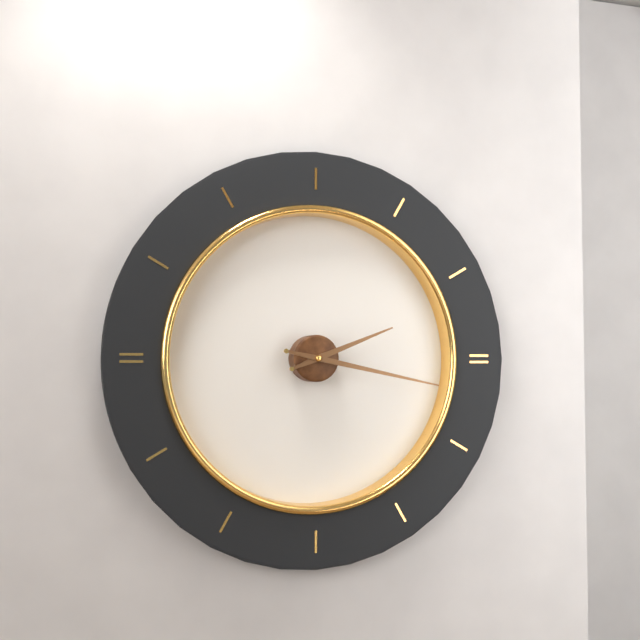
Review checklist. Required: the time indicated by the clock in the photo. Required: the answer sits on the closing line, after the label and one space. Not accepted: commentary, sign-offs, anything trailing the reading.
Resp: 2:17
